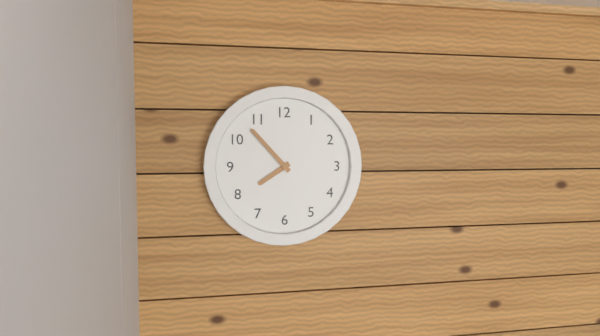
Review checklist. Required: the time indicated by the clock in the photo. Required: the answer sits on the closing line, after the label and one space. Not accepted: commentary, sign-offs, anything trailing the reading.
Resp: 7:53
